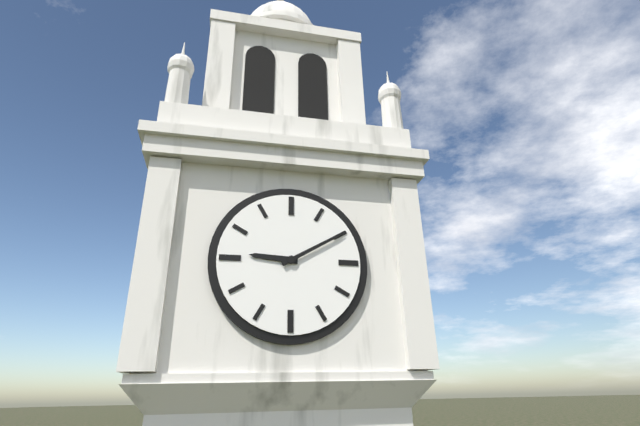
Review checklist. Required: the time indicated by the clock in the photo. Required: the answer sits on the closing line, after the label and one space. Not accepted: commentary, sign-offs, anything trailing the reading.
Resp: 9:10
